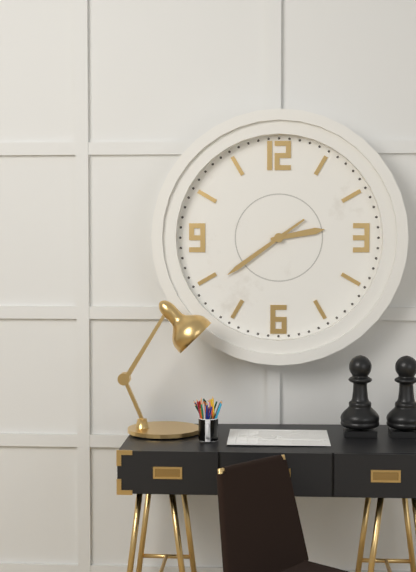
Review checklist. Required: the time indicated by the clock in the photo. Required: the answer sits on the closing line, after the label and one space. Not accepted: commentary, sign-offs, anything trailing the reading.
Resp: 2:39
